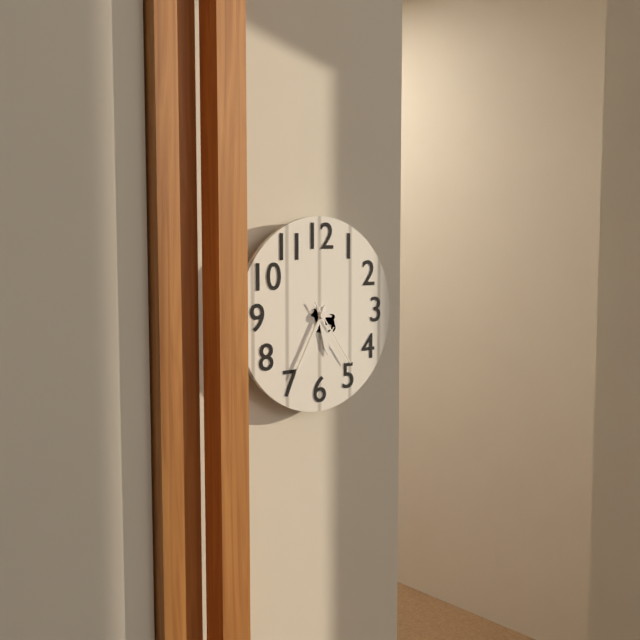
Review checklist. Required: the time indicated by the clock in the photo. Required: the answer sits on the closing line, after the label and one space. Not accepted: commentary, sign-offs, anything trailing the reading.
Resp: 5:35:24
